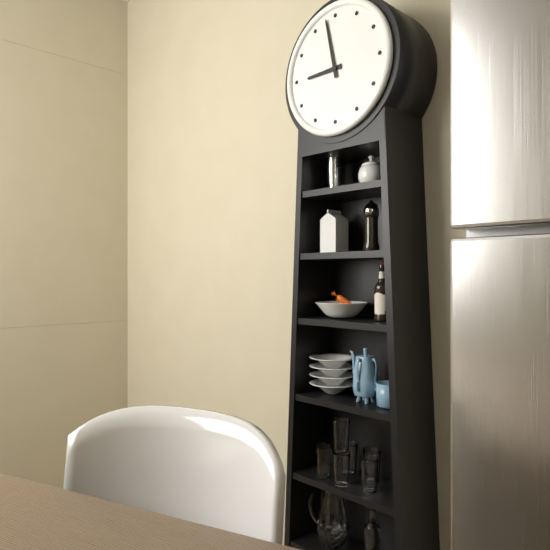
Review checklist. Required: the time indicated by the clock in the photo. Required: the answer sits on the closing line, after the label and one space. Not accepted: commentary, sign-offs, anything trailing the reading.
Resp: 8:58
